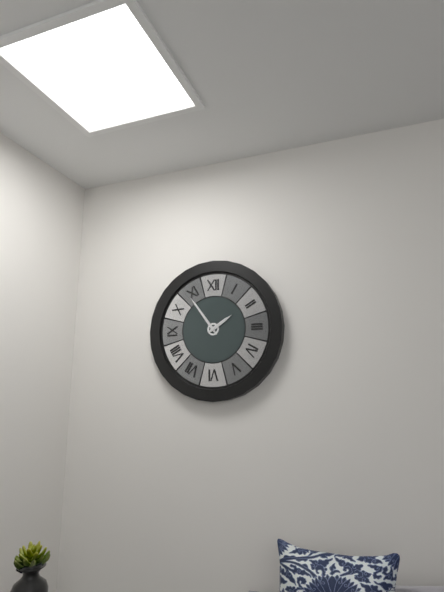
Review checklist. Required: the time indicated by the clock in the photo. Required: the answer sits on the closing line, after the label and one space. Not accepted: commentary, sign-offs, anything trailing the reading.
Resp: 1:54
